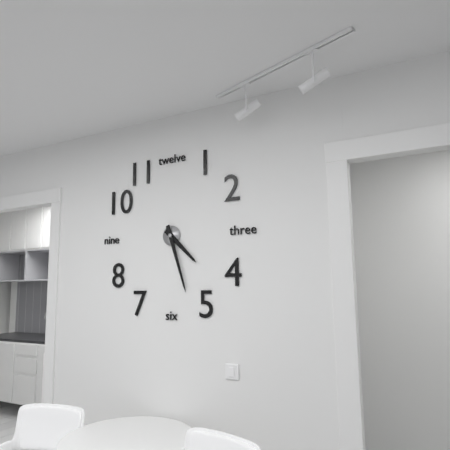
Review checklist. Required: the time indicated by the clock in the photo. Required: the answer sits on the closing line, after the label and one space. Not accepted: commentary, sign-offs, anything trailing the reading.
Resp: 4:27
